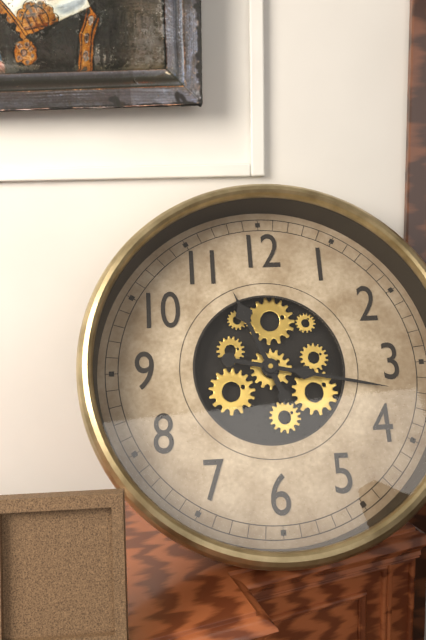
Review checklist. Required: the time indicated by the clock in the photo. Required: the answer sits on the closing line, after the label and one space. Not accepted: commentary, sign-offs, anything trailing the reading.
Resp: 11:17
